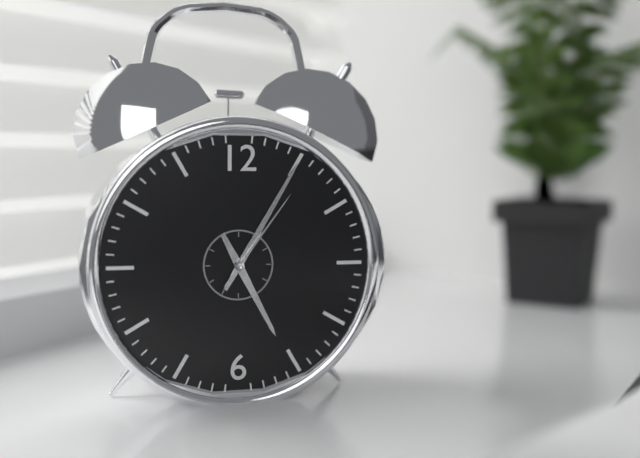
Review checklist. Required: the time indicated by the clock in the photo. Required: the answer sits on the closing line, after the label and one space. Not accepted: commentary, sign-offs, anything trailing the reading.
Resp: 5:05:06
